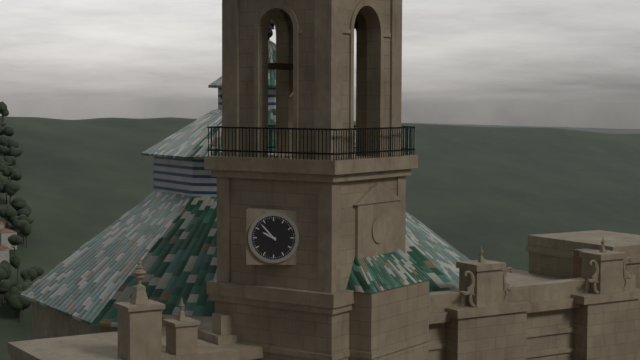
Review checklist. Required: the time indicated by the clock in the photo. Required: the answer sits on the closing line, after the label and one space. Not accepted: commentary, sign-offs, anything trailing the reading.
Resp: 9:53
